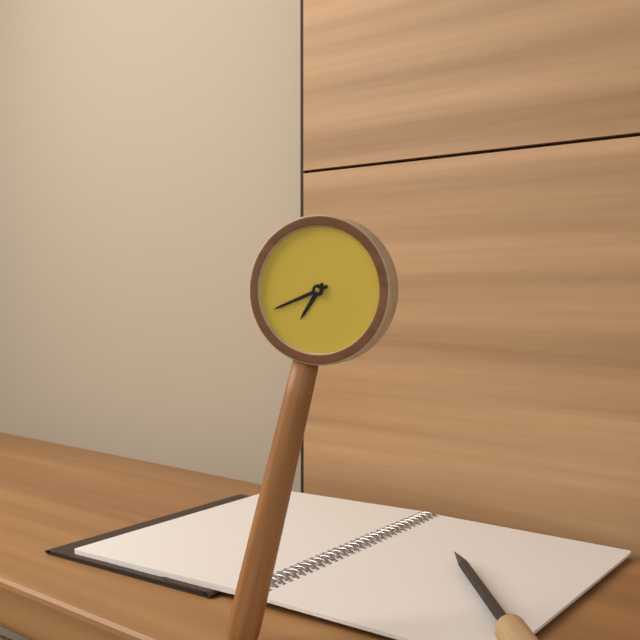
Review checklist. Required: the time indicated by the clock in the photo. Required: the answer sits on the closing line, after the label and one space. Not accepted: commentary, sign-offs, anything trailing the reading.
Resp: 6:39
